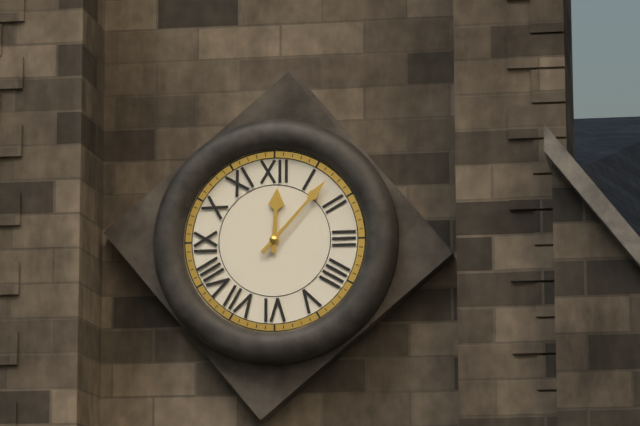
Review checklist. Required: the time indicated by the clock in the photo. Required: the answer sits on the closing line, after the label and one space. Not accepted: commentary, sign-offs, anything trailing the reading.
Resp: 12:07
